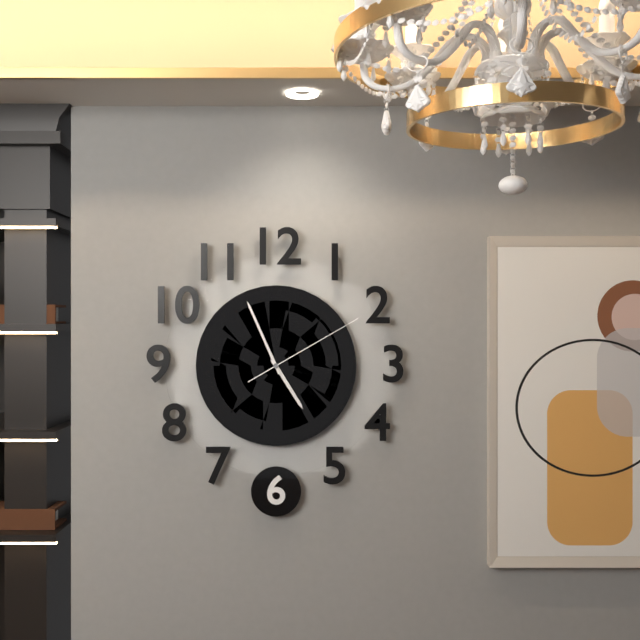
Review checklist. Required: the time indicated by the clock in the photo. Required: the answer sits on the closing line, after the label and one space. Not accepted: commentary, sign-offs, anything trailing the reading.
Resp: 4:56:10
